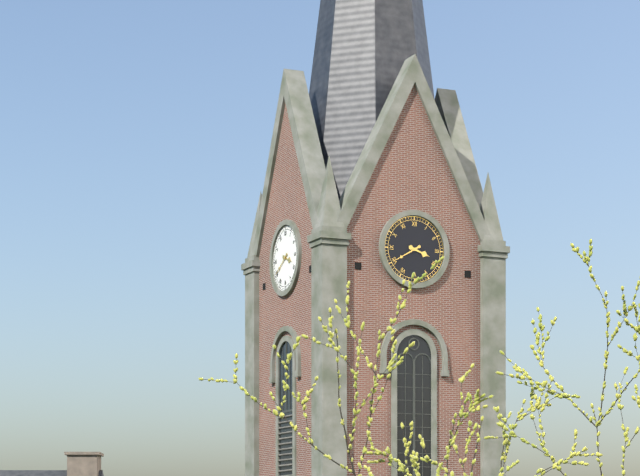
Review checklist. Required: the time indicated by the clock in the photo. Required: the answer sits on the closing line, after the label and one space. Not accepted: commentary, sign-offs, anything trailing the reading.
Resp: 3:40
